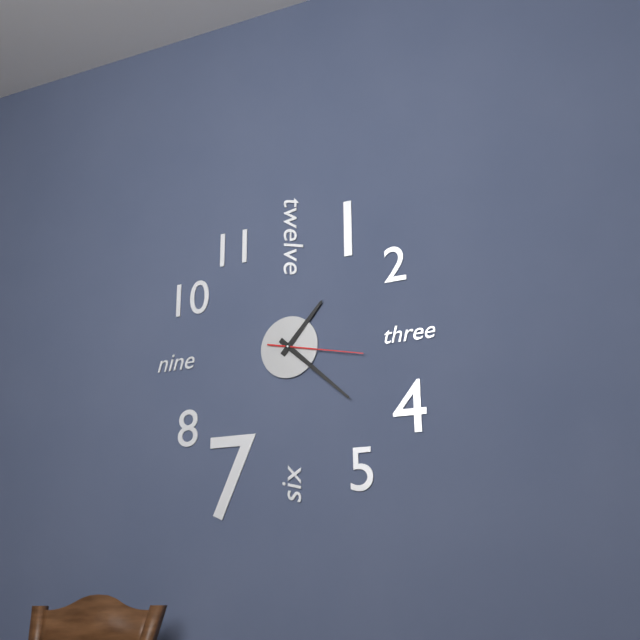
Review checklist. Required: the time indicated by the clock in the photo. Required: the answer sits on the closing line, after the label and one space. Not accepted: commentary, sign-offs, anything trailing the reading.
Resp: 1:22:17
